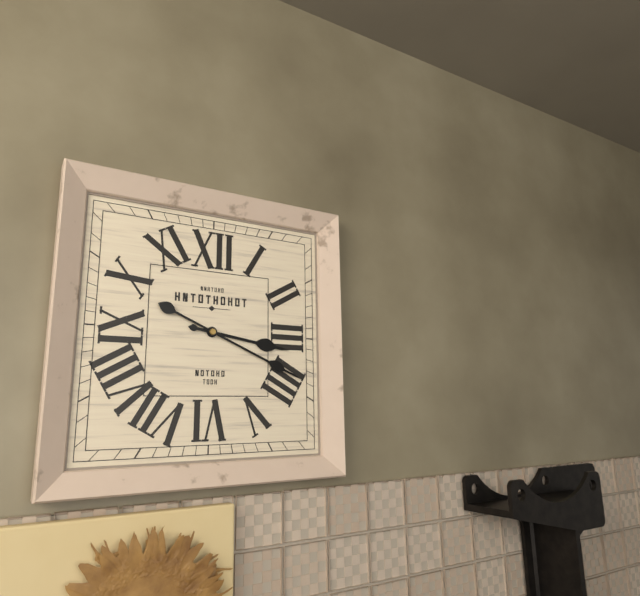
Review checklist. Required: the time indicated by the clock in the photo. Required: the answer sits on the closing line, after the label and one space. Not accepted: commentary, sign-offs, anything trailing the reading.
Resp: 3:19
